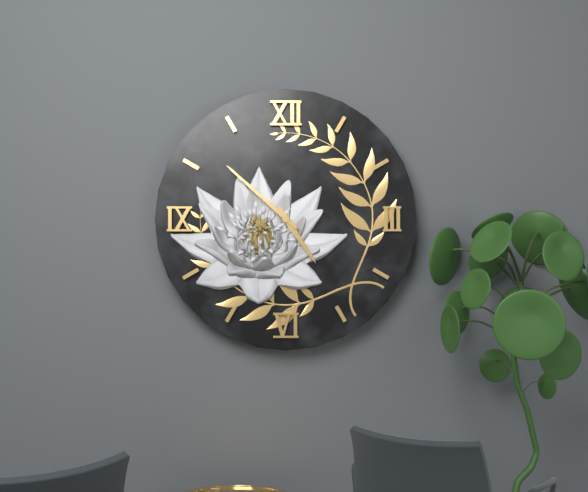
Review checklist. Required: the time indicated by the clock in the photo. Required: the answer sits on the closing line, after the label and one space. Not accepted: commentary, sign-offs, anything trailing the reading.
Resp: 4:52
